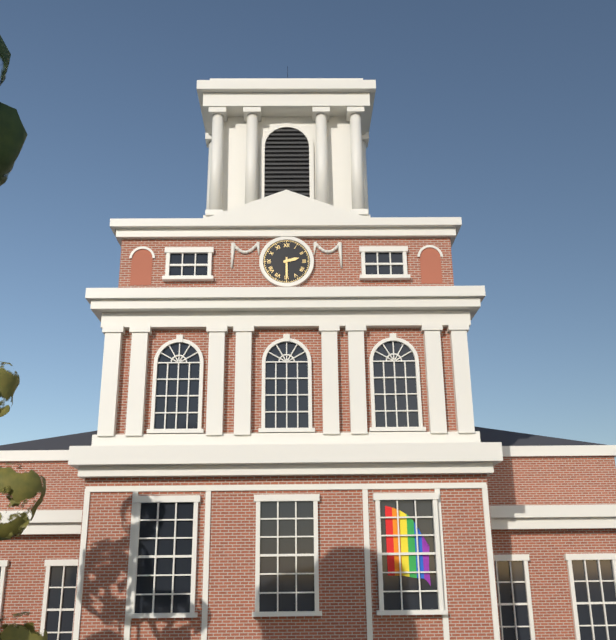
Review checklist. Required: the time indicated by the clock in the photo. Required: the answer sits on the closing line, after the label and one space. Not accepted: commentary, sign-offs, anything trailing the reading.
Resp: 2:30
